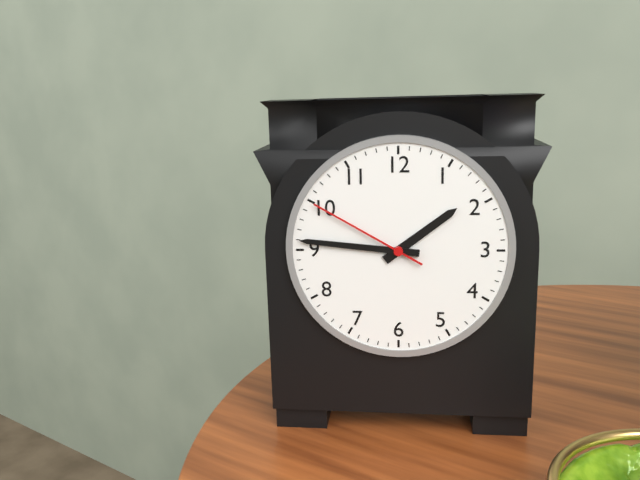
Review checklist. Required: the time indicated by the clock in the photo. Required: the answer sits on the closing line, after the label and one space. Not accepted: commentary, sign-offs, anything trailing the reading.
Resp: 1:46:50
